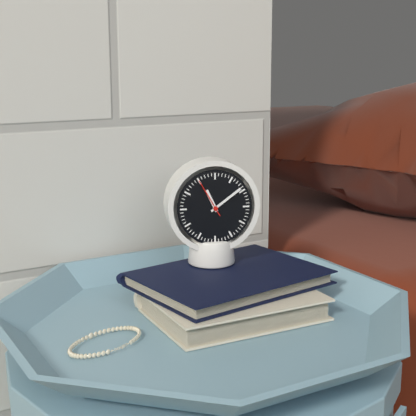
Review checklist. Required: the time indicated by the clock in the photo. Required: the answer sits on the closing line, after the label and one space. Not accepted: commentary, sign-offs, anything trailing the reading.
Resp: 11:09
